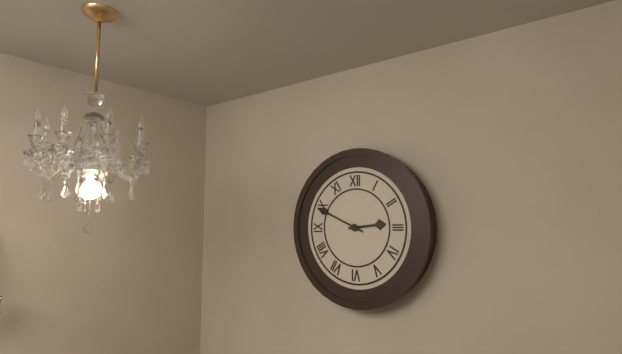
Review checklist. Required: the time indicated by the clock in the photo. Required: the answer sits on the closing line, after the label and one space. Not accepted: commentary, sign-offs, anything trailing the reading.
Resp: 2:49
